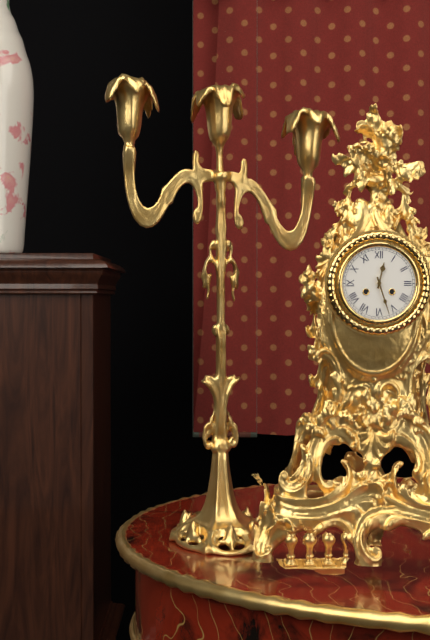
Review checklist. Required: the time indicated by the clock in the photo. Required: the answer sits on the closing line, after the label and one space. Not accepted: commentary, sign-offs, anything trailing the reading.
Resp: 12:27
